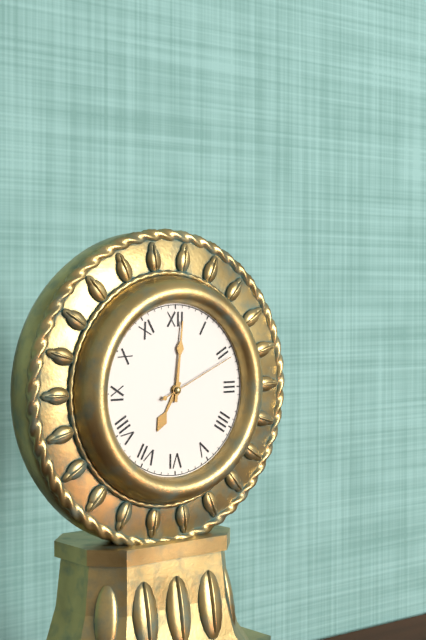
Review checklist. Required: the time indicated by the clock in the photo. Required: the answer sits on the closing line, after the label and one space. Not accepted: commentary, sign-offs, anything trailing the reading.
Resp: 7:01:11
